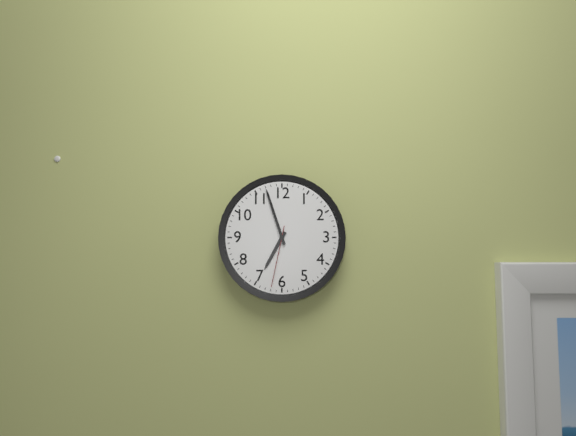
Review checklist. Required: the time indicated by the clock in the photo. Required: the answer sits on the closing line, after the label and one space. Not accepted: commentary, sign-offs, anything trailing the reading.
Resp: 6:57:32
